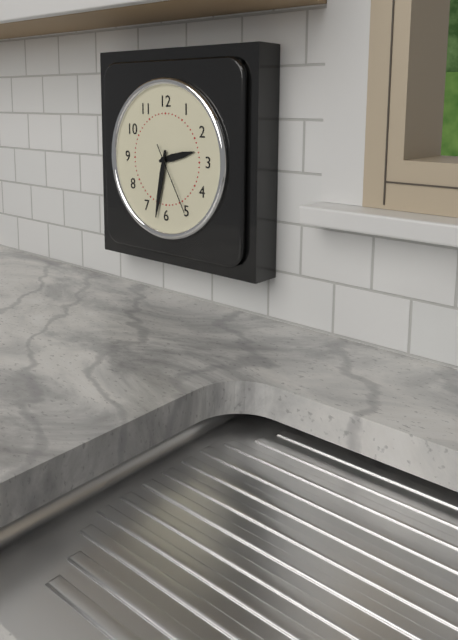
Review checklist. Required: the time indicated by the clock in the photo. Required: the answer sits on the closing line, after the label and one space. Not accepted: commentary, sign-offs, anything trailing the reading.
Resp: 2:32:25
